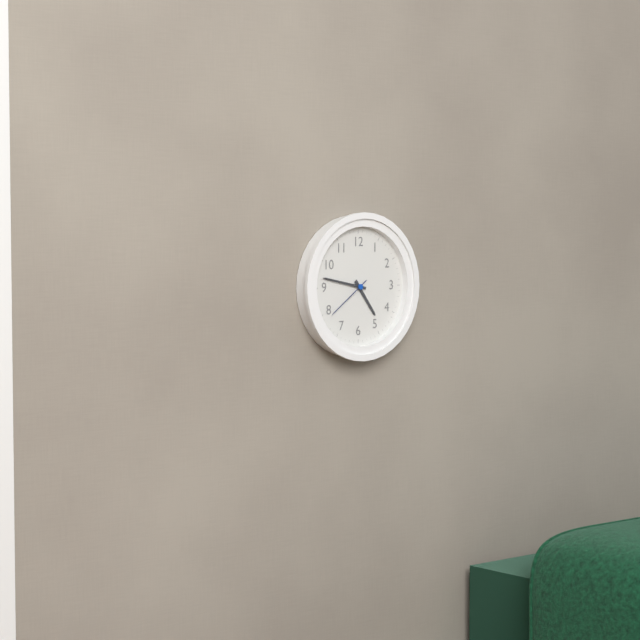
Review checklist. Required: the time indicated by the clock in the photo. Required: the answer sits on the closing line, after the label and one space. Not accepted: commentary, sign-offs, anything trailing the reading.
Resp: 4:47
